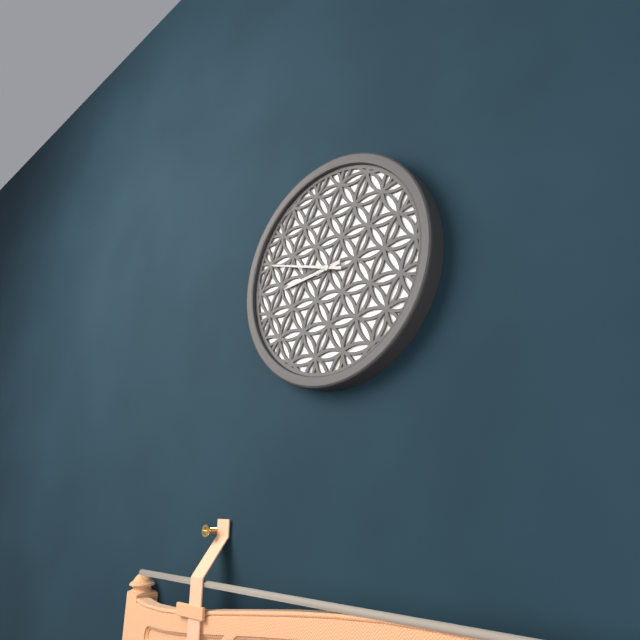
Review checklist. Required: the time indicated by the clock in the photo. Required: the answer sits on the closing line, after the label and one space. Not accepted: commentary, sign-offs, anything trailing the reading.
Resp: 8:48
